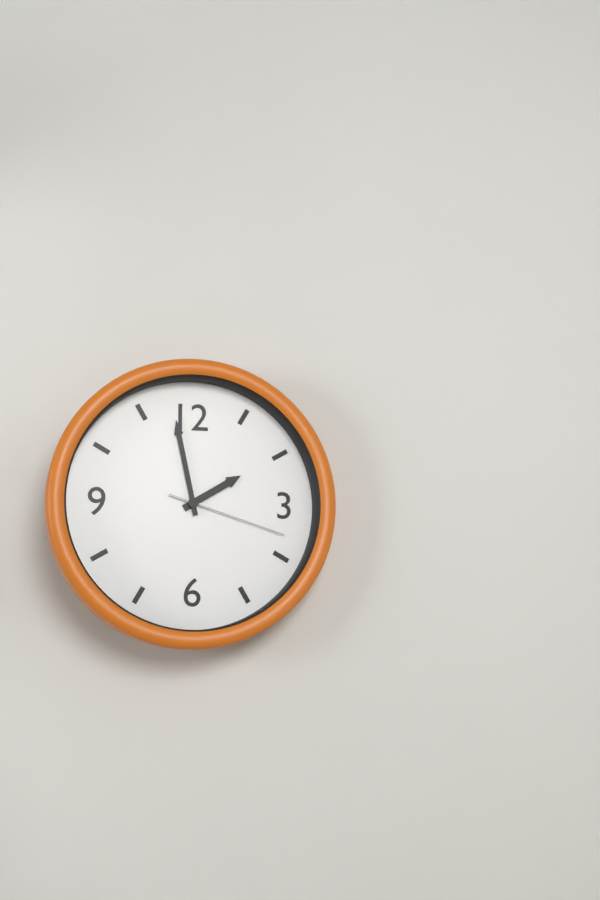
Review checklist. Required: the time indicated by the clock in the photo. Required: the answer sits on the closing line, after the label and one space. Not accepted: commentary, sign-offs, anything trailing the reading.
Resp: 1:58:18
